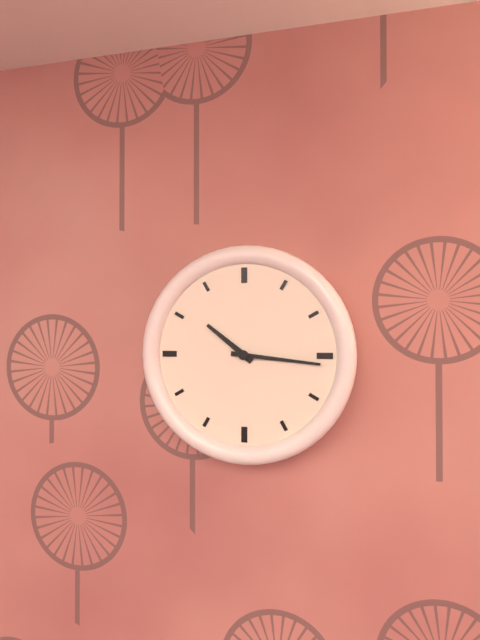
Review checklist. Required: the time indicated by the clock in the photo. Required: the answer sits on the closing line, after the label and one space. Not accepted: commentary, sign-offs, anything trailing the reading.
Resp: 10:16
